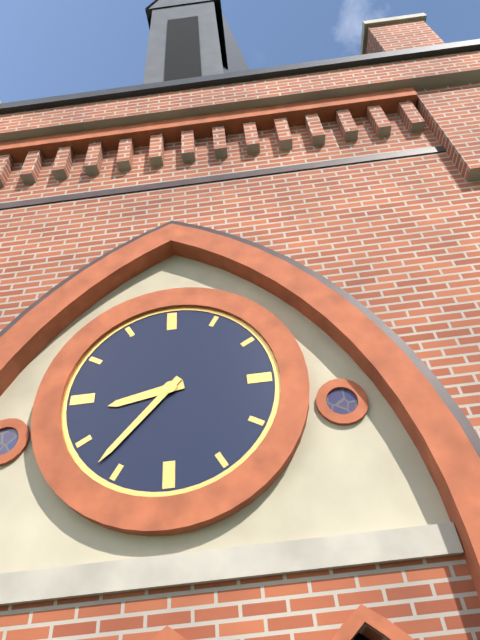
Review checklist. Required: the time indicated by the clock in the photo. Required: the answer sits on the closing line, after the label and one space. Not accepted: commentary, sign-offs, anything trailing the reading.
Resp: 8:37
